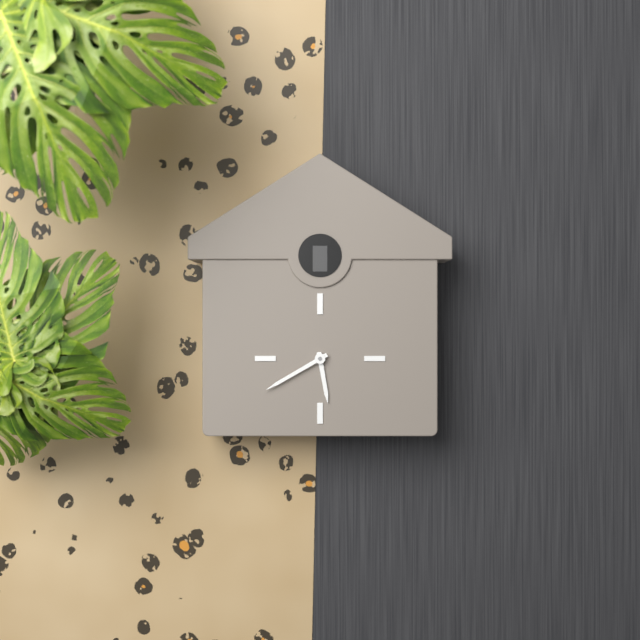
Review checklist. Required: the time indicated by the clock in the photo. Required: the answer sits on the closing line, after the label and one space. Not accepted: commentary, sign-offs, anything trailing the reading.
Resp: 5:40
